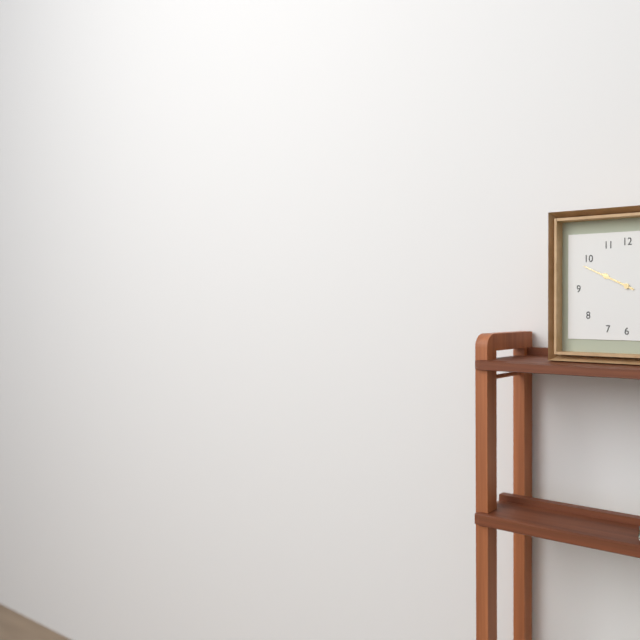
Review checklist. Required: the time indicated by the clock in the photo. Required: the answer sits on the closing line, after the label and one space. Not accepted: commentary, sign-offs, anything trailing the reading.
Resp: 9:49
